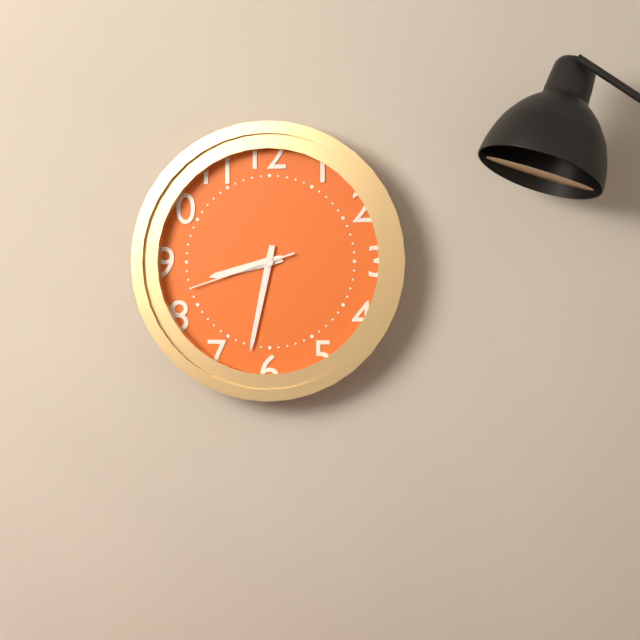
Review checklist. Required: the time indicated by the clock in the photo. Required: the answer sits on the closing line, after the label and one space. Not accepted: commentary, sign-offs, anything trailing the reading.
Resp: 8:32:42
